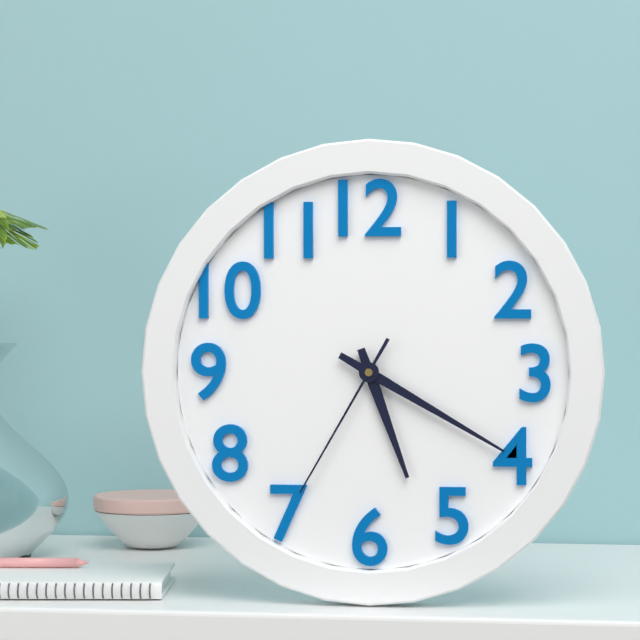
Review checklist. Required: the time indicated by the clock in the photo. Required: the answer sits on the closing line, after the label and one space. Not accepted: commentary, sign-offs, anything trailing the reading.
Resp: 5:20:35
